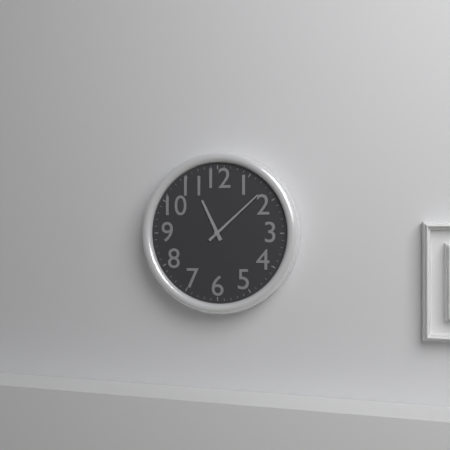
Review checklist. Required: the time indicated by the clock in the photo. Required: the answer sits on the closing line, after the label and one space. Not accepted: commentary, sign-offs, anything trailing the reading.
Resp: 11:08
